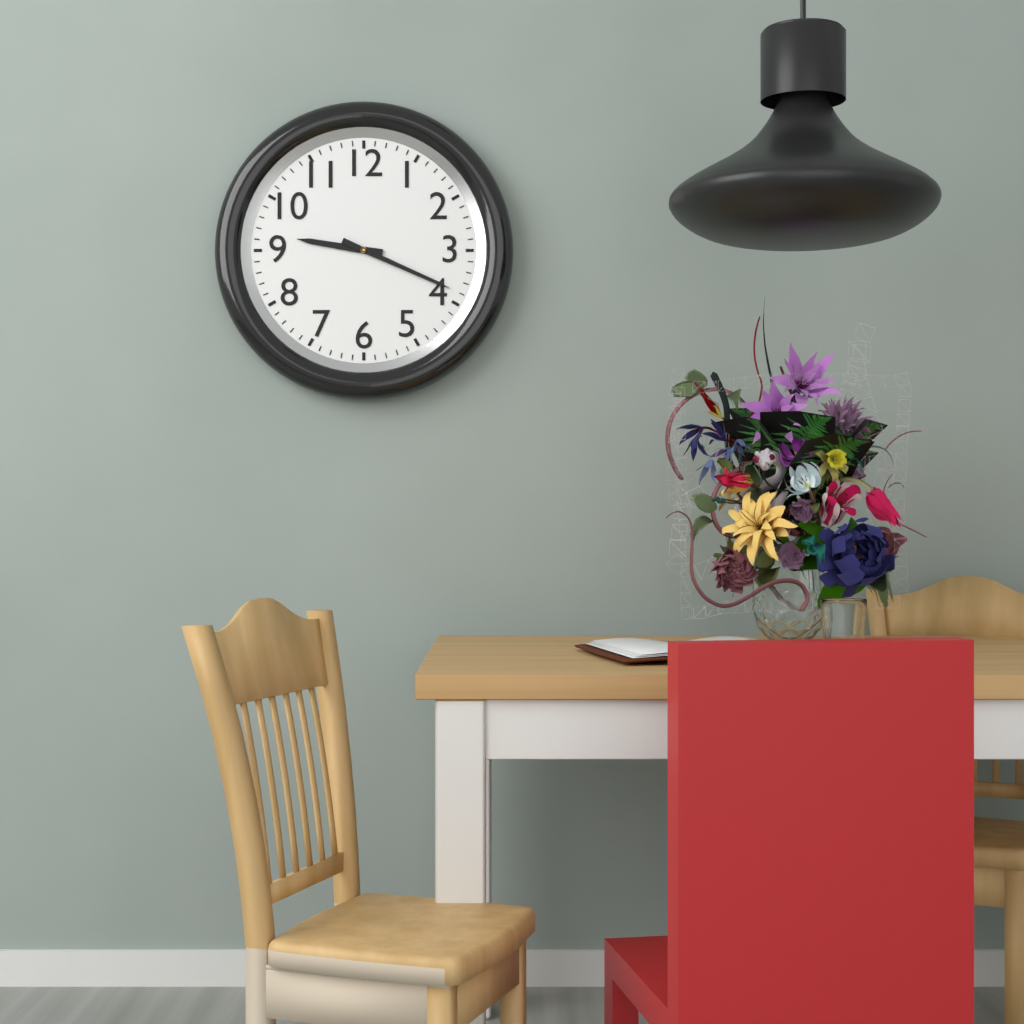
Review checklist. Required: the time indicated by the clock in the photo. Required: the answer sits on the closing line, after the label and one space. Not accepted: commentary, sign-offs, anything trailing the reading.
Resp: 9:19
